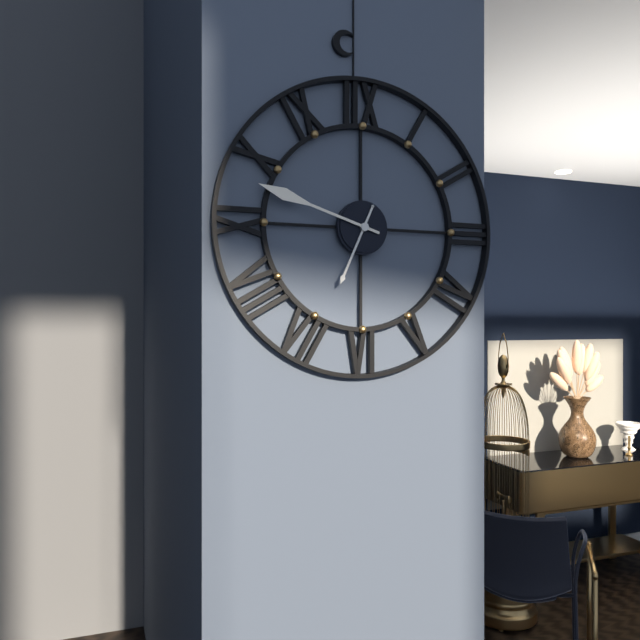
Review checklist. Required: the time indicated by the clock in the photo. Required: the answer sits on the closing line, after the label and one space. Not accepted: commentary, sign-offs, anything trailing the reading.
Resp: 6:48
